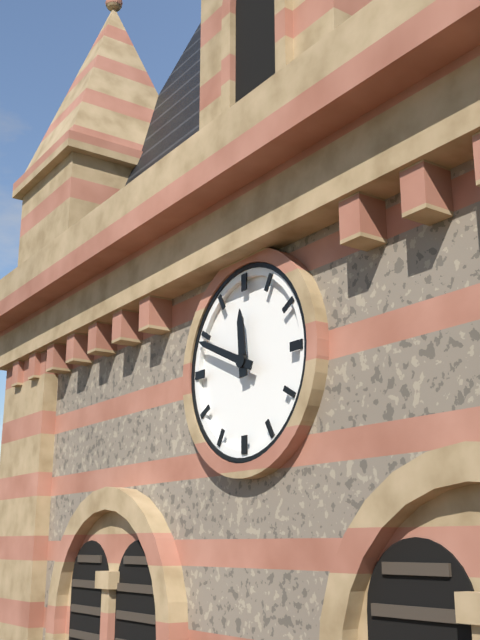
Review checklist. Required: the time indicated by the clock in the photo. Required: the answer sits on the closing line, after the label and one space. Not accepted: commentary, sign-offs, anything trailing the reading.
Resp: 11:49
